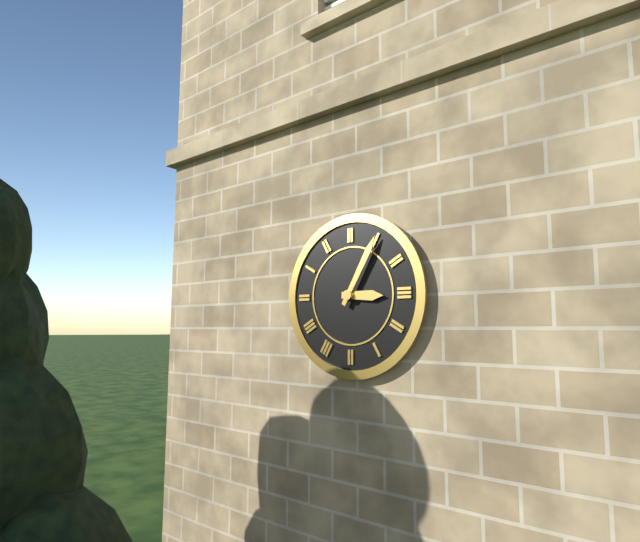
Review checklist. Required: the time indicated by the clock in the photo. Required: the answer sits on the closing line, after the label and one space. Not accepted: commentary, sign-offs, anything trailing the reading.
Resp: 3:05
